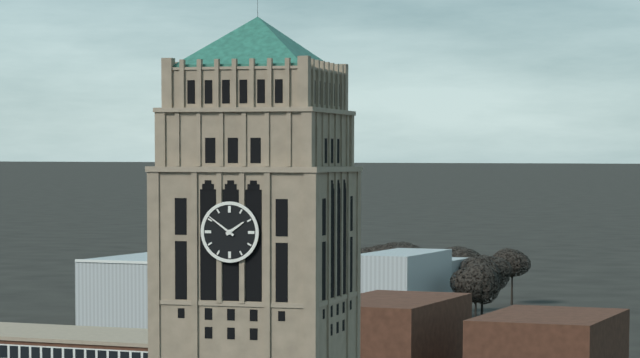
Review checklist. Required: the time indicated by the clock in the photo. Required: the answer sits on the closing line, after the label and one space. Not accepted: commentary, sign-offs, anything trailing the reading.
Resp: 1:51
